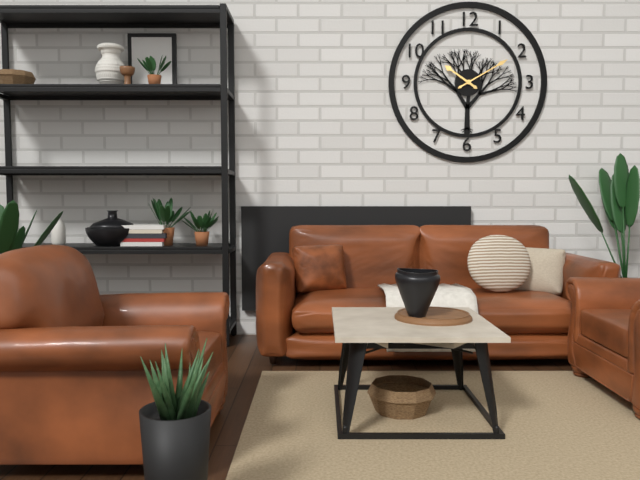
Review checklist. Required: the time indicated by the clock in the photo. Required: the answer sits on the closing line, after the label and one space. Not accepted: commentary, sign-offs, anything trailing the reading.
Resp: 10:10
